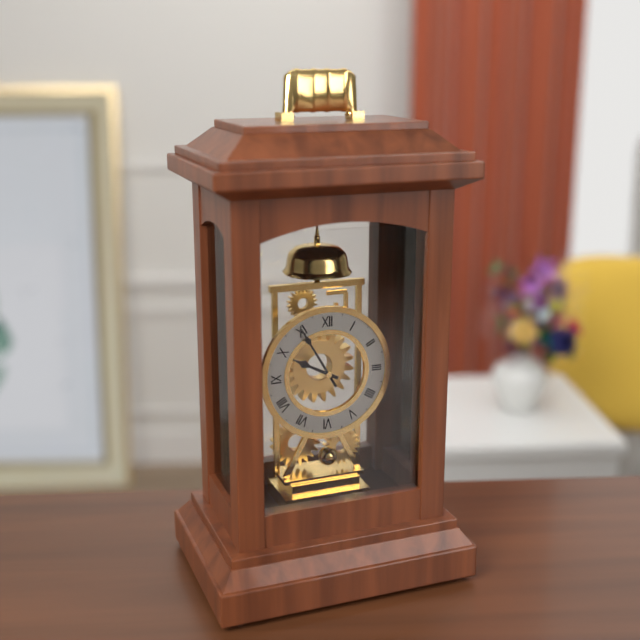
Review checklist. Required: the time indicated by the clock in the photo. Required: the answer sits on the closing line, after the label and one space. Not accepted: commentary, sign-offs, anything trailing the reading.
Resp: 9:55
